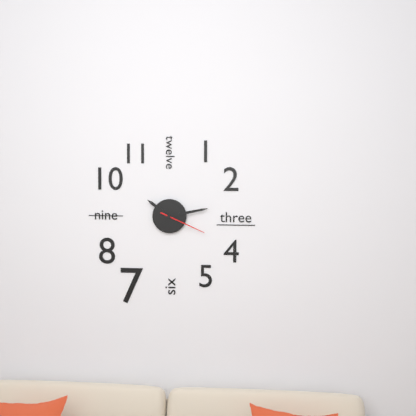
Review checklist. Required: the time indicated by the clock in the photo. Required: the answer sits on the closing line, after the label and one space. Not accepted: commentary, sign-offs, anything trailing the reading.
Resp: 10:13
